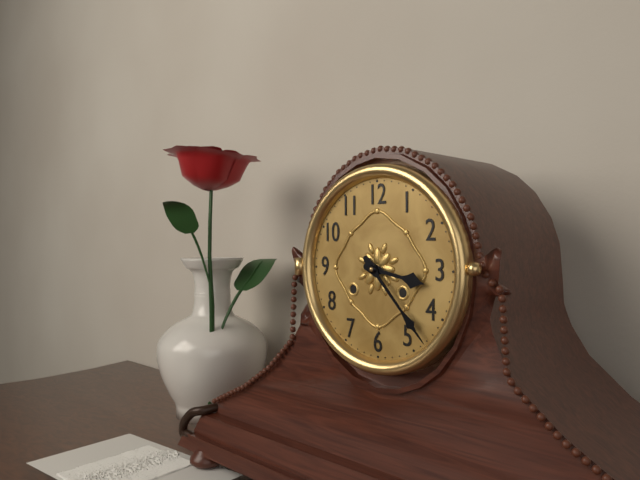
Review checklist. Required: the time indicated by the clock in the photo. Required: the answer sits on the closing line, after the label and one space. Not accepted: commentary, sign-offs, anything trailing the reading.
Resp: 3:23
